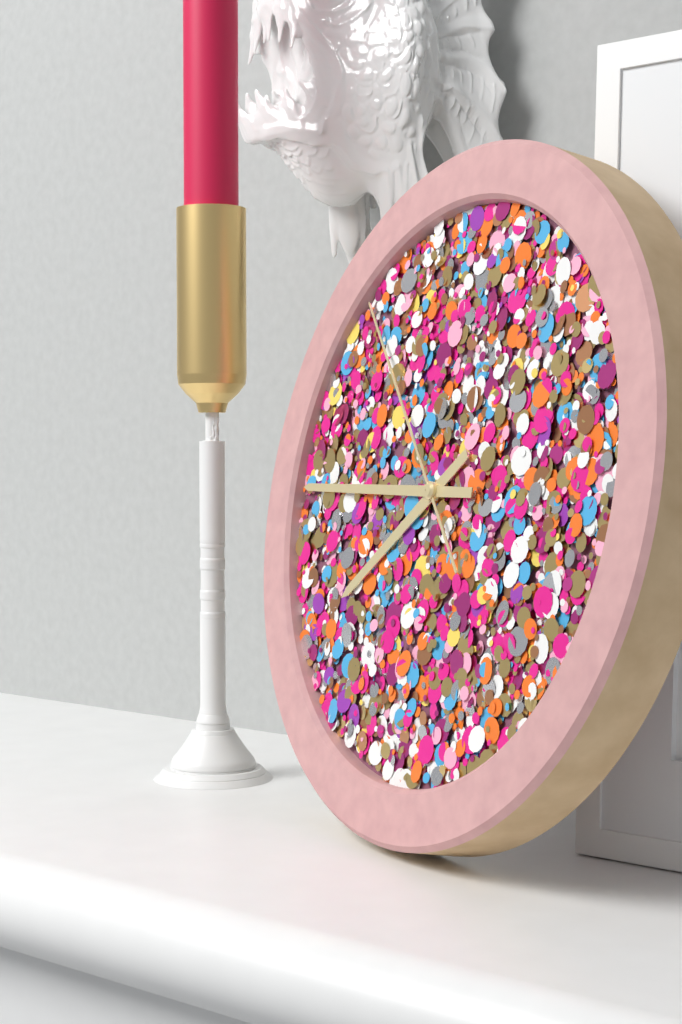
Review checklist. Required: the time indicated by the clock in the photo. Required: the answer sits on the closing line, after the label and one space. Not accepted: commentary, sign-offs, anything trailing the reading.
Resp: 7:45:53
